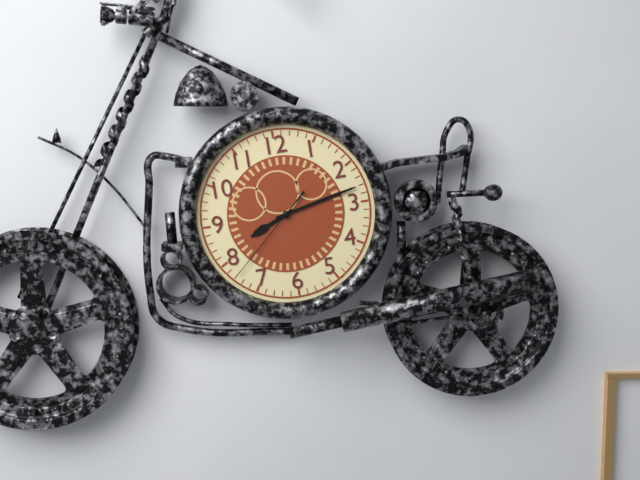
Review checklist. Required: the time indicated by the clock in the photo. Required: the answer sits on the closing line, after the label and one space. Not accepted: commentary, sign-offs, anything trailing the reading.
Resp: 8:13:38
